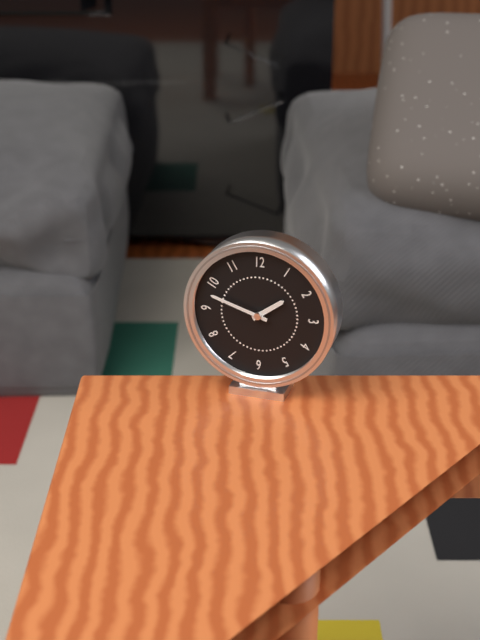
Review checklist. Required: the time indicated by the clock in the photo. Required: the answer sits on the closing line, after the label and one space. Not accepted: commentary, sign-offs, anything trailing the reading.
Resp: 1:48
